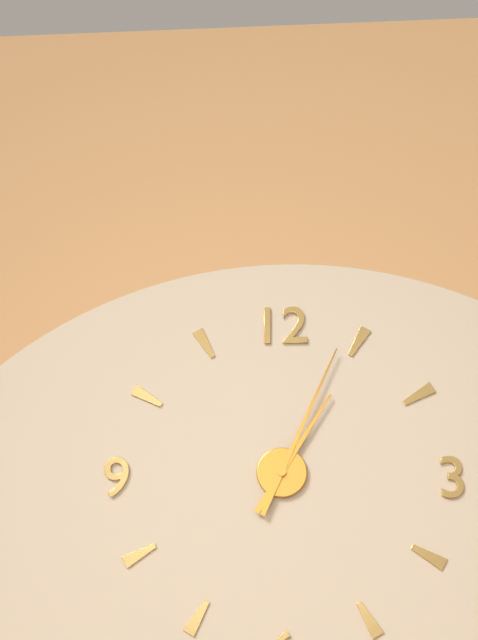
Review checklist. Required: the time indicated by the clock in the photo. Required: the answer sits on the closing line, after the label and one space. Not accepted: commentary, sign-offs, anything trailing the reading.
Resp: 1:04
